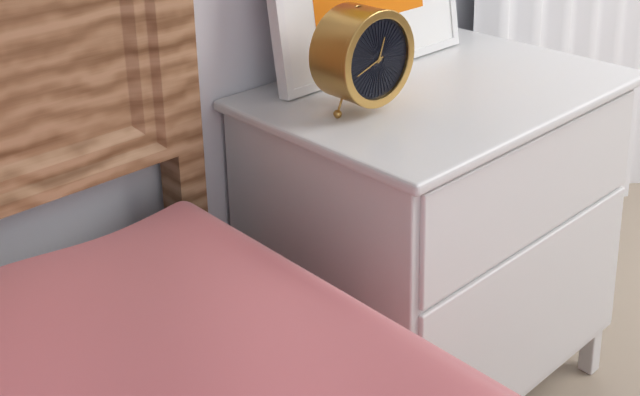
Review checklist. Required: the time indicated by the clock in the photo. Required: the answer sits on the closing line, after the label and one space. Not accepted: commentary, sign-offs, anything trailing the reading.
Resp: 12:42
